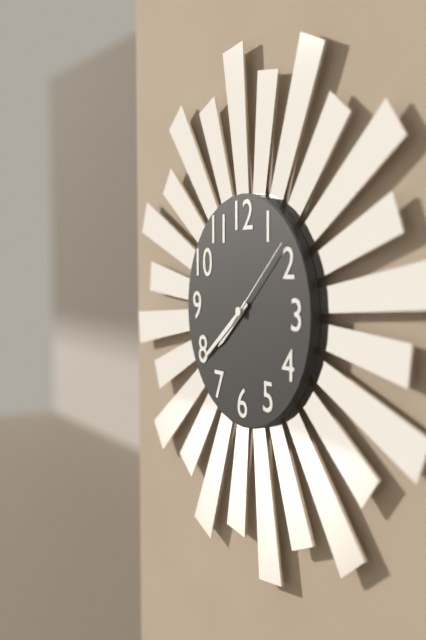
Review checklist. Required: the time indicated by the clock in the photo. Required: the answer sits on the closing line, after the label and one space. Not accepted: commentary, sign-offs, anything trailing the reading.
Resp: 7:39:08
